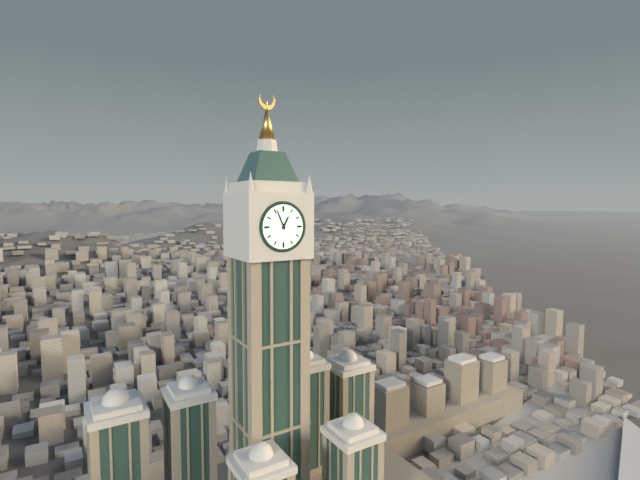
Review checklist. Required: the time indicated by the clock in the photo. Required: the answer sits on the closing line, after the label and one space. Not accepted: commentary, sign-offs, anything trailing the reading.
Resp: 12:56
